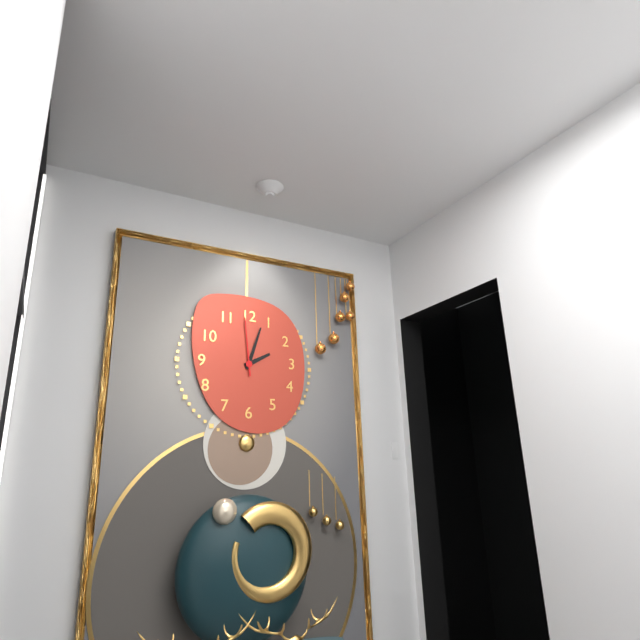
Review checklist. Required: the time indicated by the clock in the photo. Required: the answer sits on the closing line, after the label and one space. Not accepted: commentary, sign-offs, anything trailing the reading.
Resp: 2:03:59
